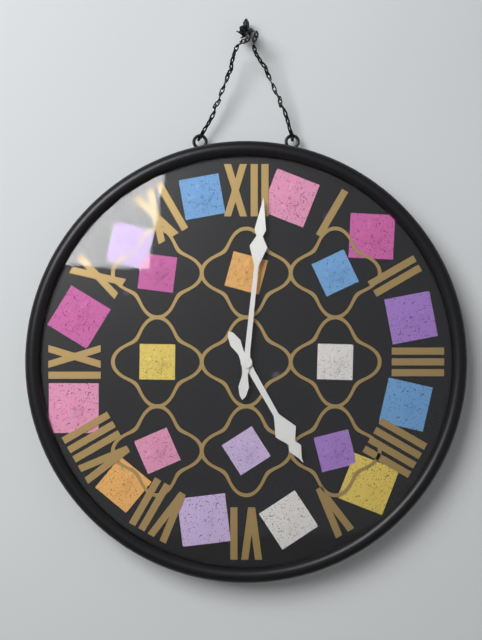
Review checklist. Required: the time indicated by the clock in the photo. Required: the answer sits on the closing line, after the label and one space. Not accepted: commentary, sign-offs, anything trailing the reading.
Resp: 5:01
